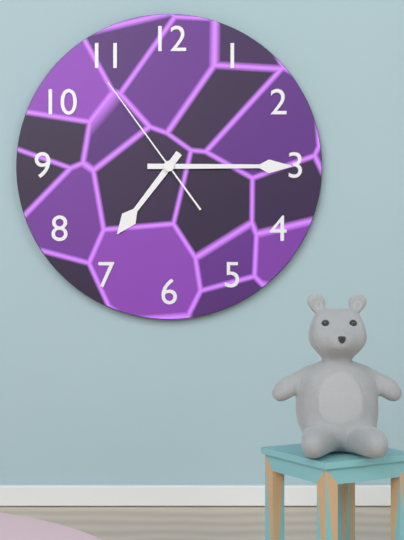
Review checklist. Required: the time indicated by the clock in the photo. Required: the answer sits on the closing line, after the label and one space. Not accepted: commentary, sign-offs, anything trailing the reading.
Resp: 7:15:54
